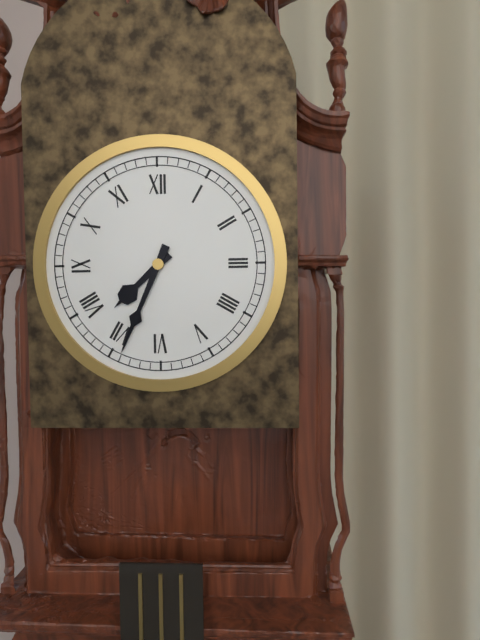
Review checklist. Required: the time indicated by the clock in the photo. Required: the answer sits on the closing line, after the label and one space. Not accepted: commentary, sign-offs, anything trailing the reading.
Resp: 7:34
